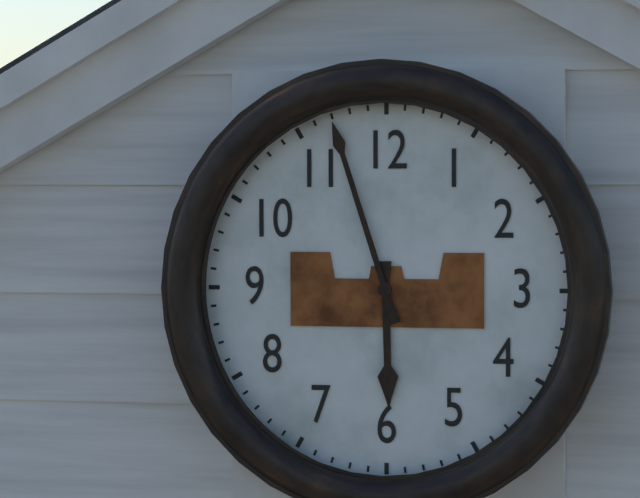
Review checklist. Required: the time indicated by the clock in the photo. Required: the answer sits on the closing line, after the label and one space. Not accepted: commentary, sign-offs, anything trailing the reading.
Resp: 5:57
